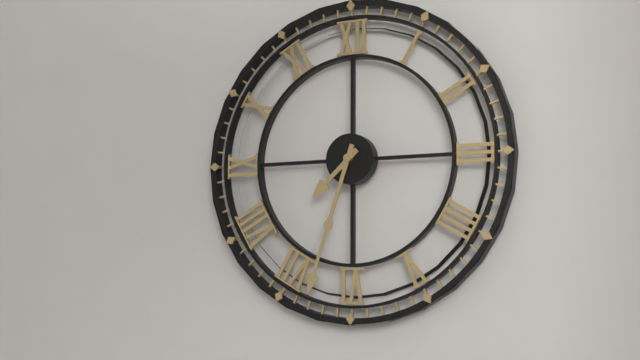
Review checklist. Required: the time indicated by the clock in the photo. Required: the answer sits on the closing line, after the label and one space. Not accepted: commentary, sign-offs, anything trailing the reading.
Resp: 7:33
